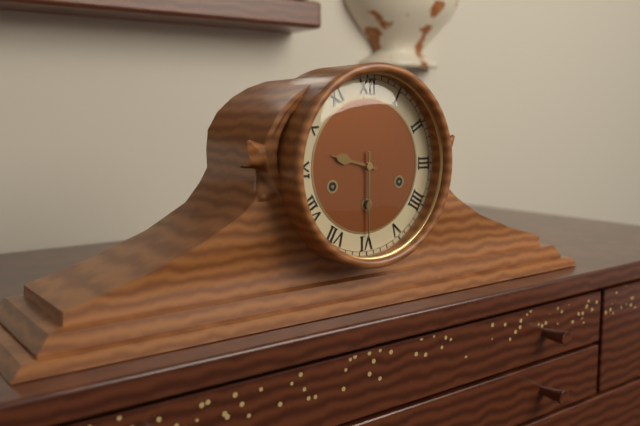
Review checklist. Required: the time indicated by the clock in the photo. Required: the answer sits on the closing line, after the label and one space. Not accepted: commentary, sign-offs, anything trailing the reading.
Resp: 9:30
